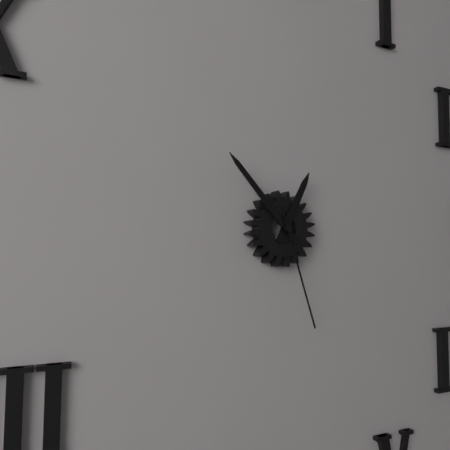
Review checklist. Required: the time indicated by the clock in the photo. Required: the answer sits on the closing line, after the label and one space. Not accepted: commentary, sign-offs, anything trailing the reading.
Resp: 12:53:27
